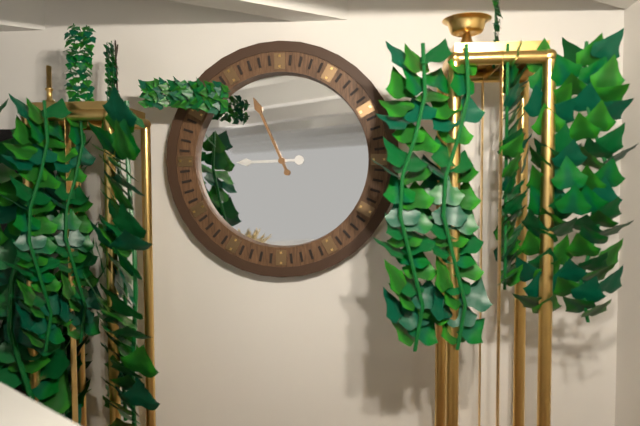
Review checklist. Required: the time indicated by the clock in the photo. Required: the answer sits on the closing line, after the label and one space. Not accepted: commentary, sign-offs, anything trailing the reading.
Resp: 8:56
